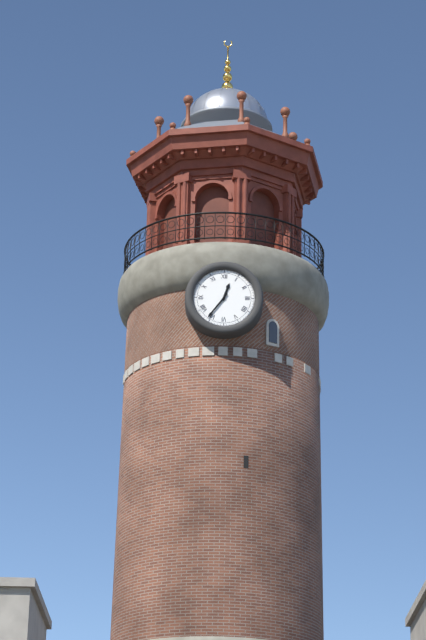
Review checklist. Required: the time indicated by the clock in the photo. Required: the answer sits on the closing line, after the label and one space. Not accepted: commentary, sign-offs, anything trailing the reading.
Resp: 12:36
